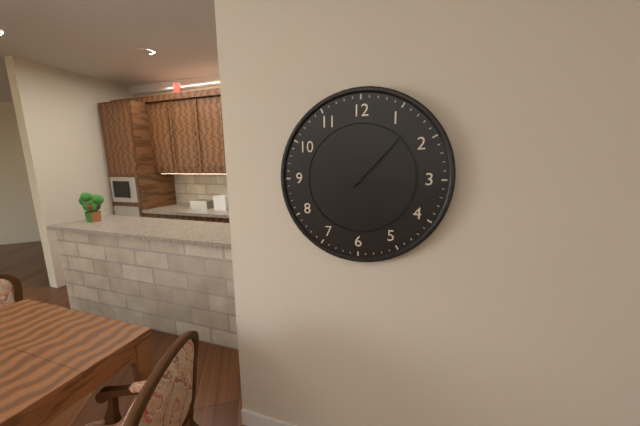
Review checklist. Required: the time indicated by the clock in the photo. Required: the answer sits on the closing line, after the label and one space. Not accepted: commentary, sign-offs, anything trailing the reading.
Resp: 3:07
